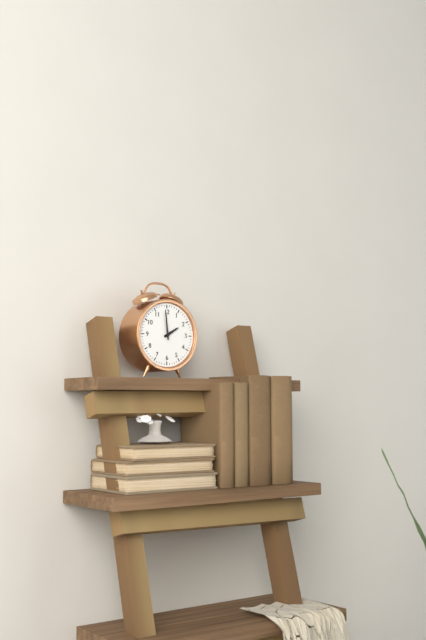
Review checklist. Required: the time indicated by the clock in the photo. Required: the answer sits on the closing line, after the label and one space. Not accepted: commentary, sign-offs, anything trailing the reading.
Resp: 1:59
